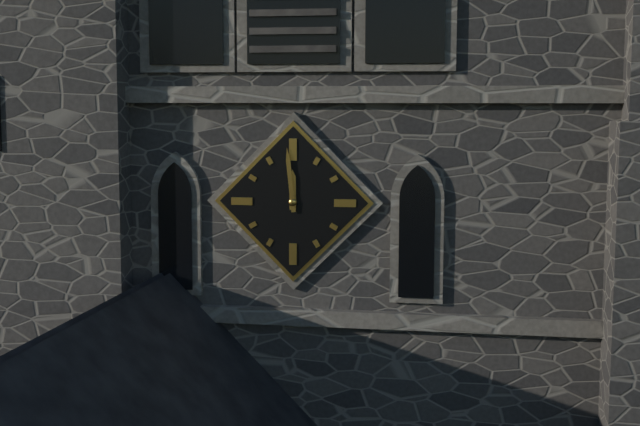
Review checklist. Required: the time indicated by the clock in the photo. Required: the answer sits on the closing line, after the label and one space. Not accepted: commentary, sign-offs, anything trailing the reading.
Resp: 11:59
